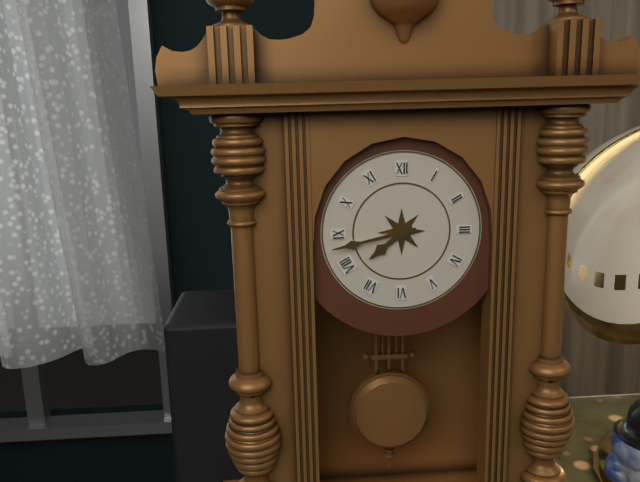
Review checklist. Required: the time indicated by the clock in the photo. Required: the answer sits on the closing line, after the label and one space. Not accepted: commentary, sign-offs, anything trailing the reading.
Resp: 7:43
